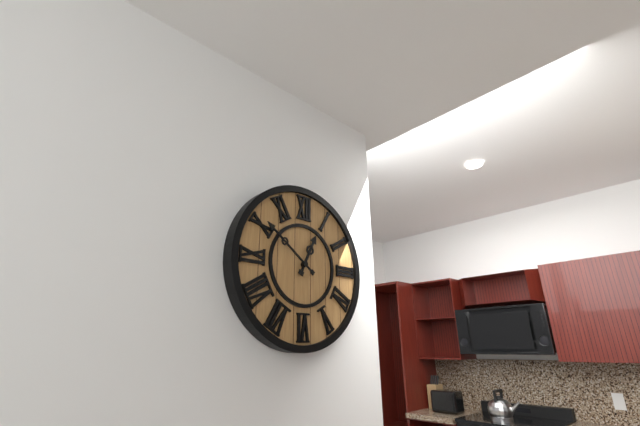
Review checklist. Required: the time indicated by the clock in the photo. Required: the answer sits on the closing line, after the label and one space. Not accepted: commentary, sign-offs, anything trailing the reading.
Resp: 12:51
